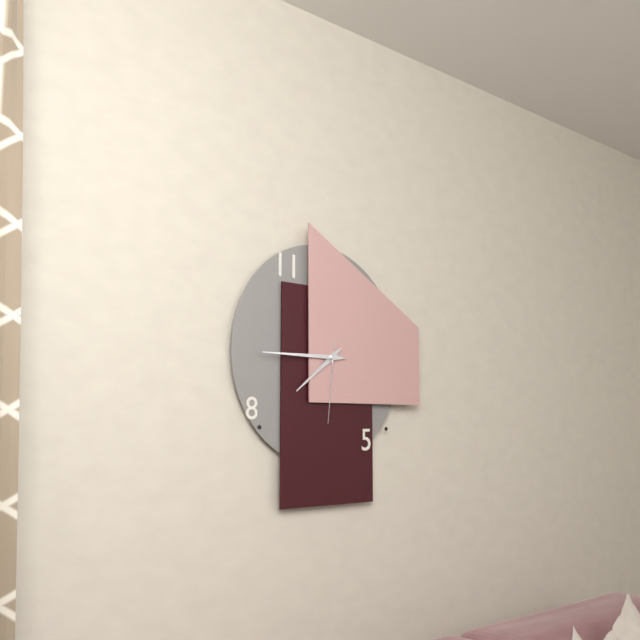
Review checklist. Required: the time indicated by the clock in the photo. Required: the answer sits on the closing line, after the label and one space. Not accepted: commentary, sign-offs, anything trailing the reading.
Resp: 7:45:31
